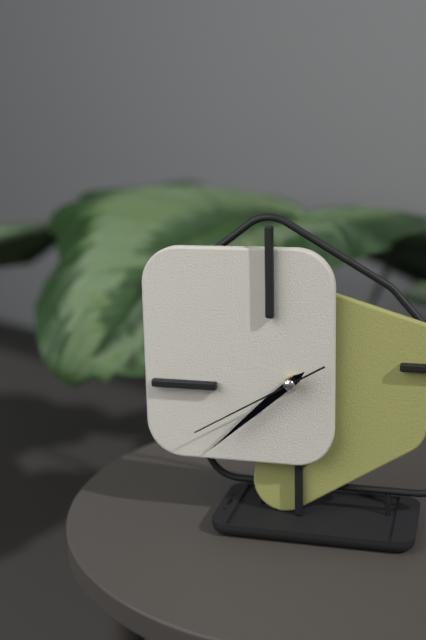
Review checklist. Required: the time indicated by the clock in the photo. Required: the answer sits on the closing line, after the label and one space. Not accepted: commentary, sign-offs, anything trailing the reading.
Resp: 7:38:40
